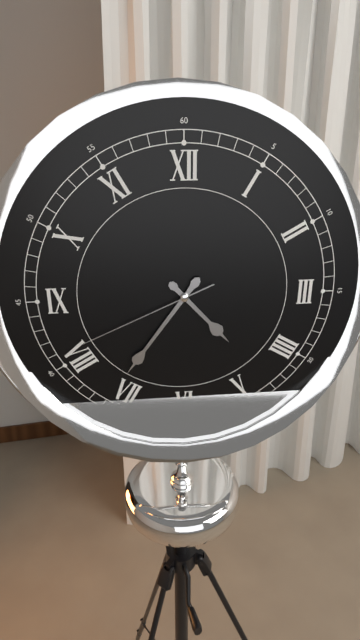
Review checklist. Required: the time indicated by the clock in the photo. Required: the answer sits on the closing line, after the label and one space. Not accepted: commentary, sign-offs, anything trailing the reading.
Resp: 4:36:41
